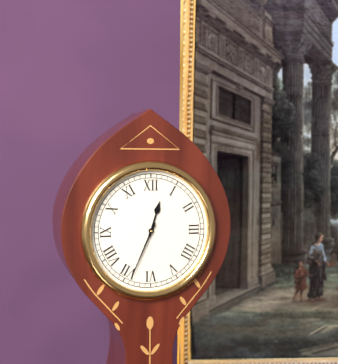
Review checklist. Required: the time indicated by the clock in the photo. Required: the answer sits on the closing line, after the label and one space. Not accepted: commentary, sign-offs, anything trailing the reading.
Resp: 12:34
